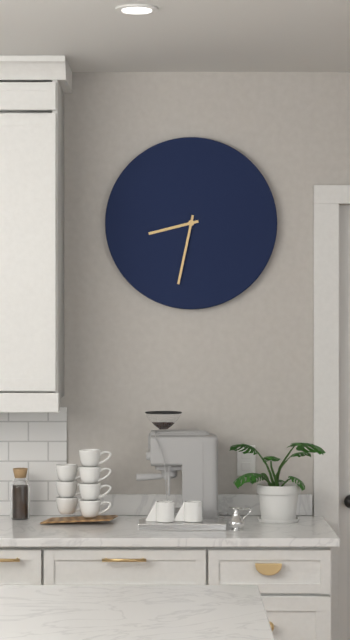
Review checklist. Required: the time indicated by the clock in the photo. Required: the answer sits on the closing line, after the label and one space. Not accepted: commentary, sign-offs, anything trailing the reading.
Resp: 8:32
